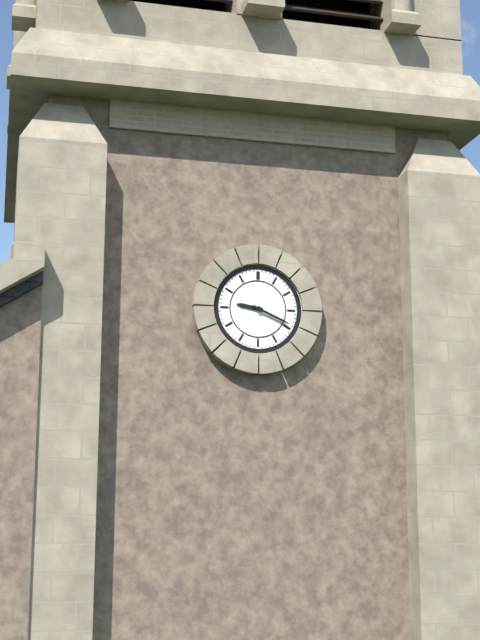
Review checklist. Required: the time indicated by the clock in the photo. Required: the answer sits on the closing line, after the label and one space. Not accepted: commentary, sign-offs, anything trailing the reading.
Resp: 9:19
